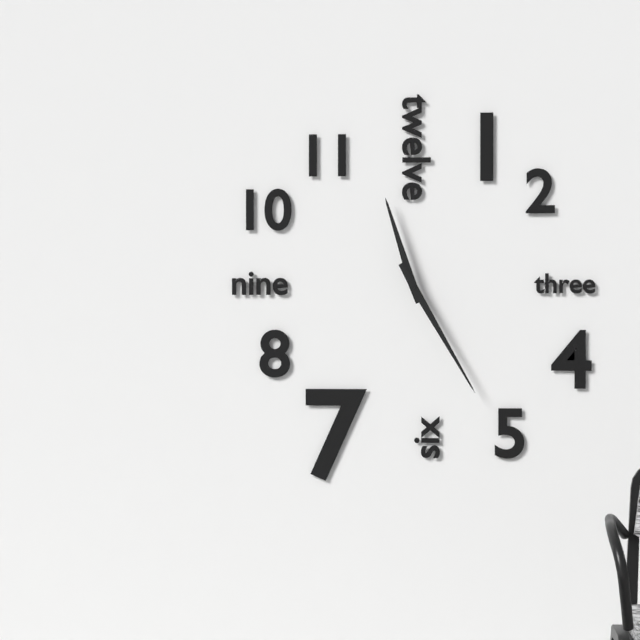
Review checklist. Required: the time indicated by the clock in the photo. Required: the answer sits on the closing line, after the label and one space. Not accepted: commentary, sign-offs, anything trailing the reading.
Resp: 11:25
